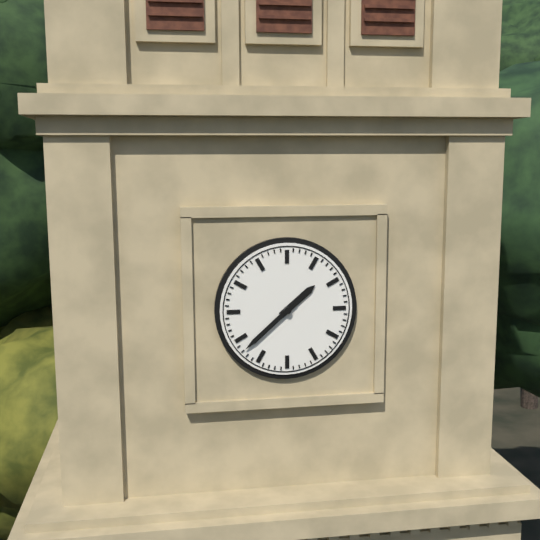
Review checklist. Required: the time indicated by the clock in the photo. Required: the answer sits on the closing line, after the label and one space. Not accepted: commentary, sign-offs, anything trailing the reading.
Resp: 1:38
